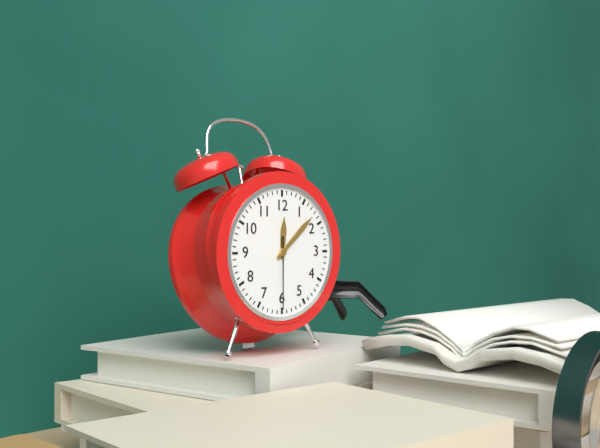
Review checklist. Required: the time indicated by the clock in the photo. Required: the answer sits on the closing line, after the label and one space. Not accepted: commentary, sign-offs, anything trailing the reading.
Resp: 12:08:30
